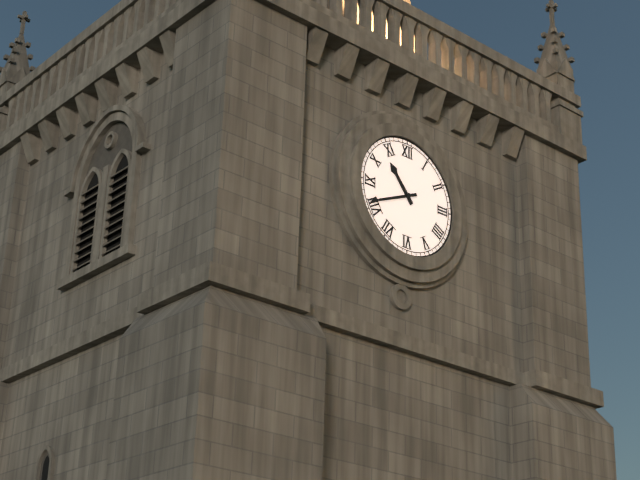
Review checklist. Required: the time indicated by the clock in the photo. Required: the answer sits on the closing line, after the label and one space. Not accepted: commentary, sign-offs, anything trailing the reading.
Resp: 10:41
